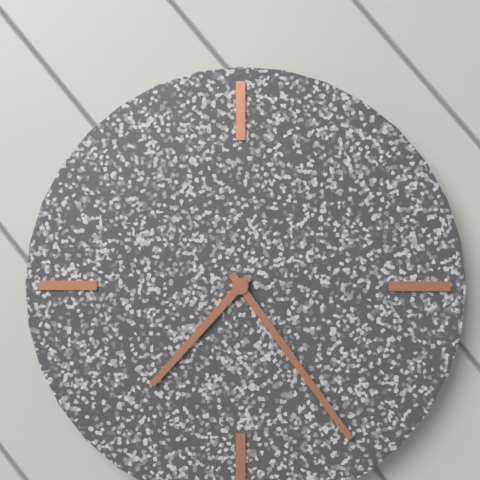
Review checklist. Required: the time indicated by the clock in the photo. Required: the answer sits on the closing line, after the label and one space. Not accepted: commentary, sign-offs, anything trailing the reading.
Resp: 7:24
